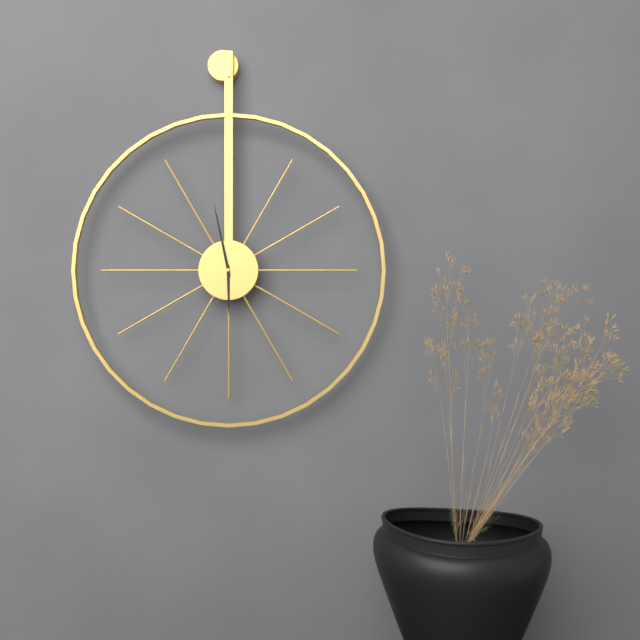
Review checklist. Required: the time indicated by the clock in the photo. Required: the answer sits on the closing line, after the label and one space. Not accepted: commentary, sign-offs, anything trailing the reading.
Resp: 5:58
